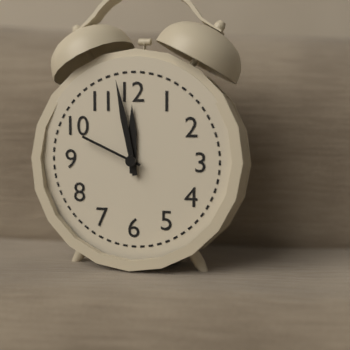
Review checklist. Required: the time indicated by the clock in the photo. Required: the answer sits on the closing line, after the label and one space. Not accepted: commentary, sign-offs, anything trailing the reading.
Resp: 11:58:49
